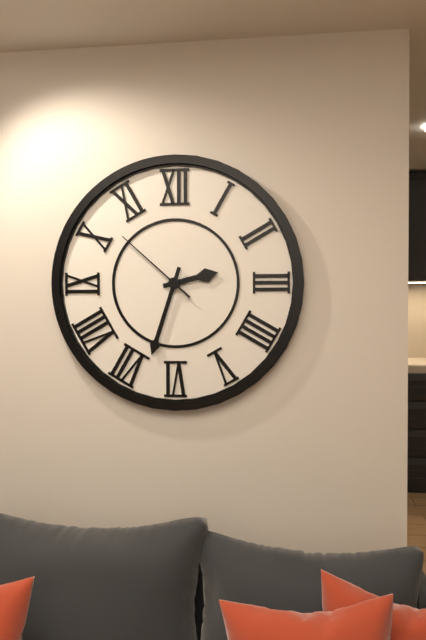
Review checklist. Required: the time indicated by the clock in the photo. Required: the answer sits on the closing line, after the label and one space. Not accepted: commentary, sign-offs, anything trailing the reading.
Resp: 2:33:52
